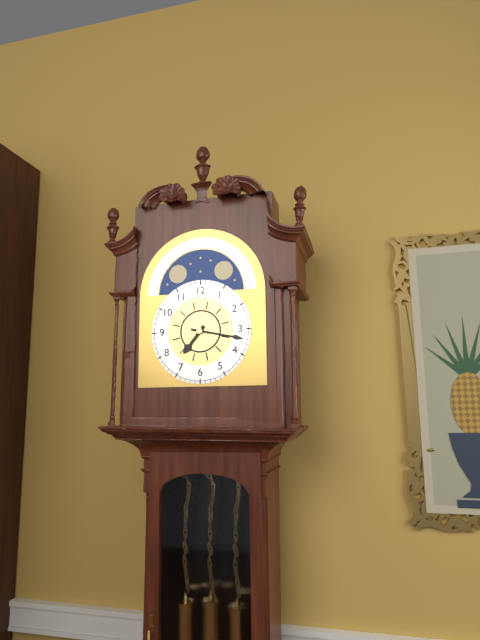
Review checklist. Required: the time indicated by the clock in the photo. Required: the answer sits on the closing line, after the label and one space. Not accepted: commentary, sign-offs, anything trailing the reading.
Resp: 7:17
